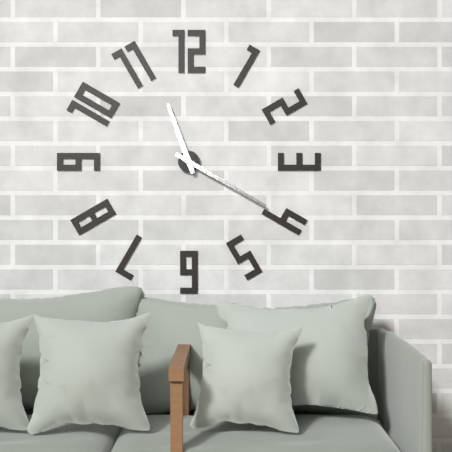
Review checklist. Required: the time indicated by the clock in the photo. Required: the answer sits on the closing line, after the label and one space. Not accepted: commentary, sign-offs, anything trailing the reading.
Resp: 11:20
